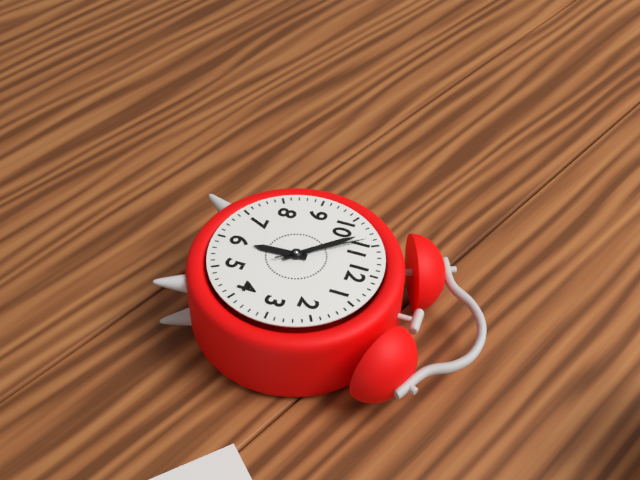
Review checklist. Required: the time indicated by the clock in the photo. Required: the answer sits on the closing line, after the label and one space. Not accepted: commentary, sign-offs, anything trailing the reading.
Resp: 5:53:54
